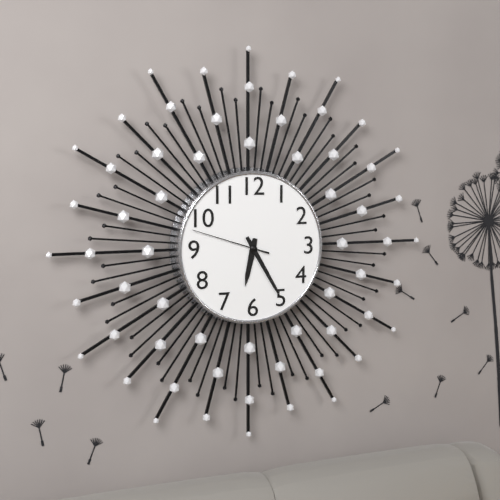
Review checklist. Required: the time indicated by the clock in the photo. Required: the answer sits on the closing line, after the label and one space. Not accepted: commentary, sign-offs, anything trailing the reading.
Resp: 6:25:48
